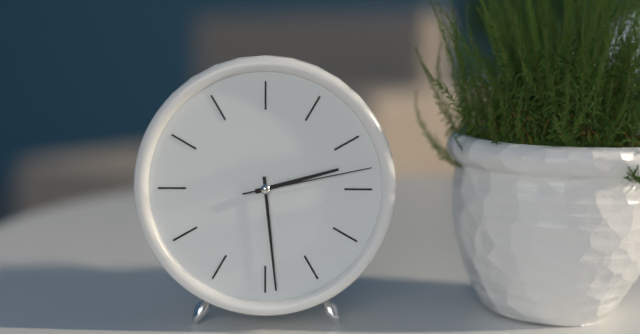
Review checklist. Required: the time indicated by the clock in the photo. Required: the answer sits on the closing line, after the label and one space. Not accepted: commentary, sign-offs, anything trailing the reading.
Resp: 2:29:13
